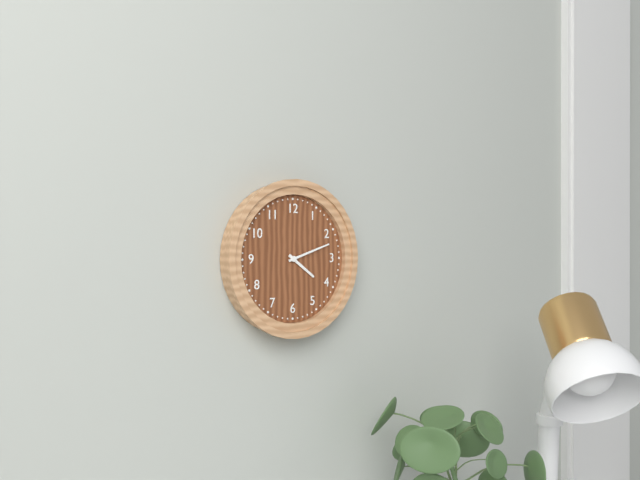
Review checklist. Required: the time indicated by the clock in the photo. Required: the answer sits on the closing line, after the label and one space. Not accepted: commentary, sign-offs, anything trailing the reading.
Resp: 4:12
